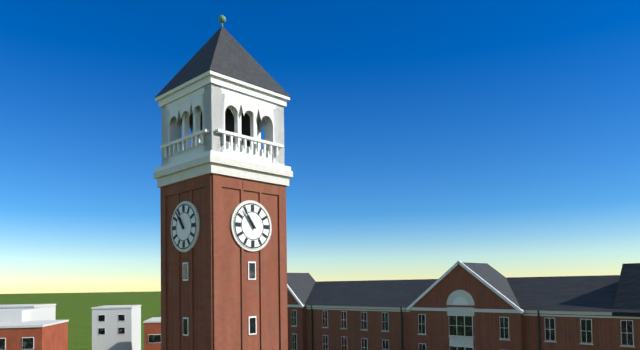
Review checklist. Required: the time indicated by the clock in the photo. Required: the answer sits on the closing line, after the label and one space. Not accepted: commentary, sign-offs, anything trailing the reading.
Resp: 10:54
